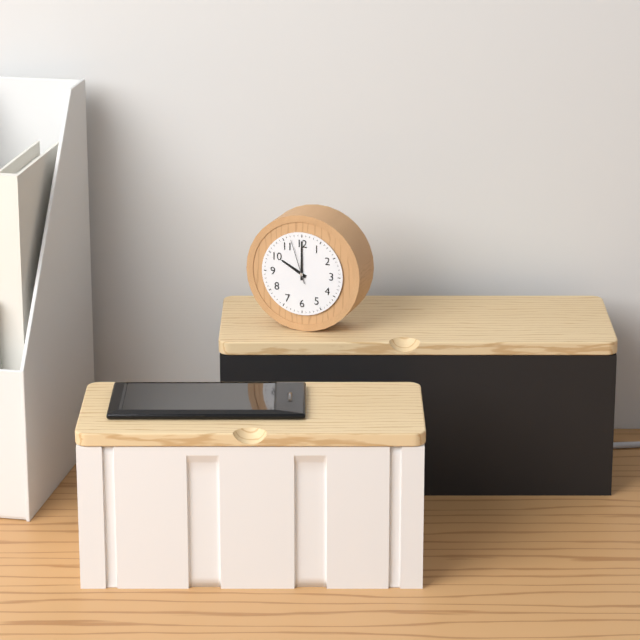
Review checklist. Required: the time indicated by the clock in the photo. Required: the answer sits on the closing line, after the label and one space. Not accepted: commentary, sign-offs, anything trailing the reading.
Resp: 10:00
